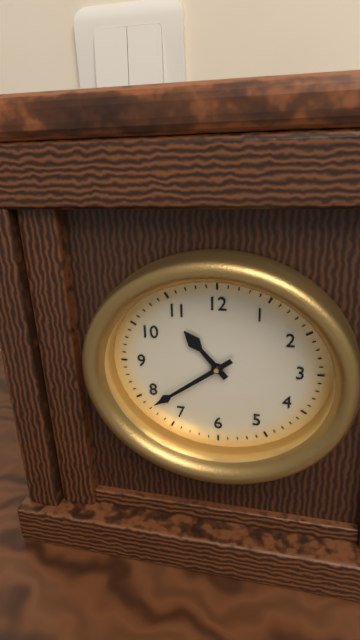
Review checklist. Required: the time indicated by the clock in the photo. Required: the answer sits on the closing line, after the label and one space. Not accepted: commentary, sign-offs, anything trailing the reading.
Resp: 10:39
